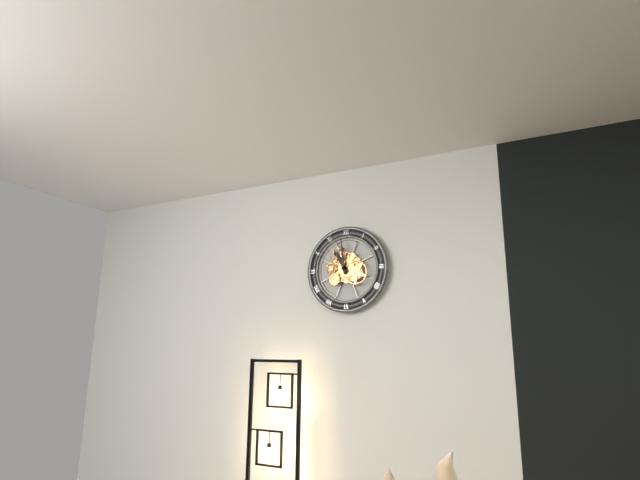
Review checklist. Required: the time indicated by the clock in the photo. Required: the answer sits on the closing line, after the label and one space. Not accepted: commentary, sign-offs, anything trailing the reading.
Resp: 10:59
